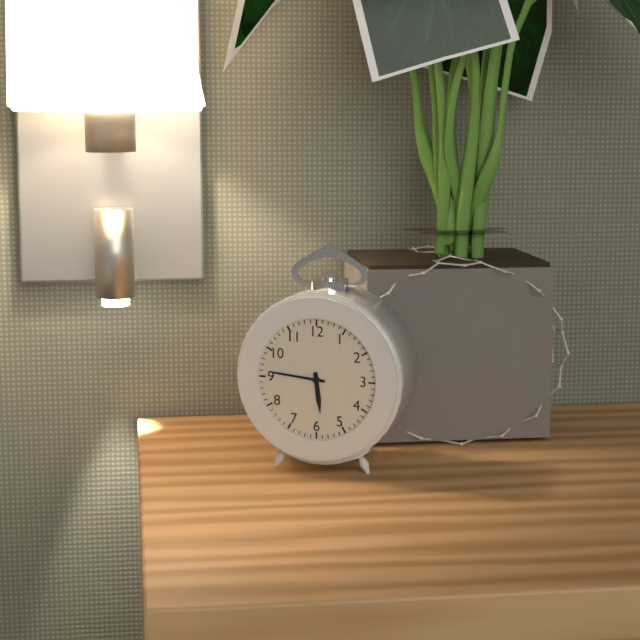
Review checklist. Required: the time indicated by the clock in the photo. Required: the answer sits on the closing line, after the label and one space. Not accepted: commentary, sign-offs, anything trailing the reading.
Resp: 5:46
